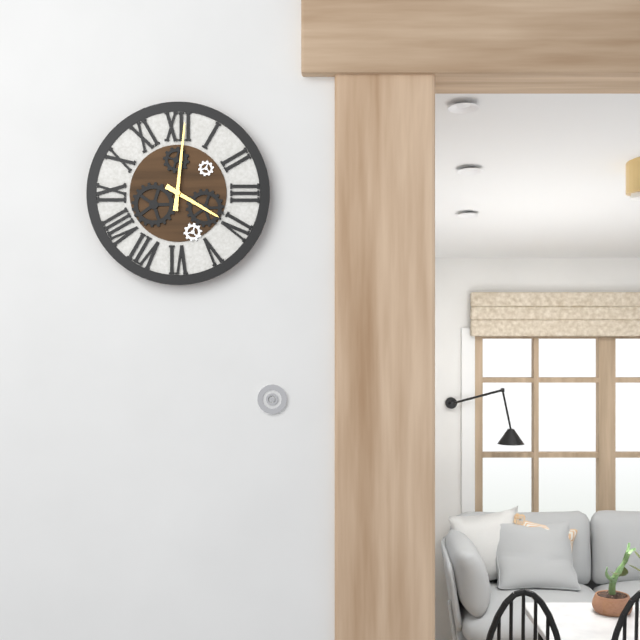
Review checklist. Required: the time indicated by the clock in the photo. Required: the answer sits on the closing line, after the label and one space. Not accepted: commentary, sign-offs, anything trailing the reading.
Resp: 4:01
